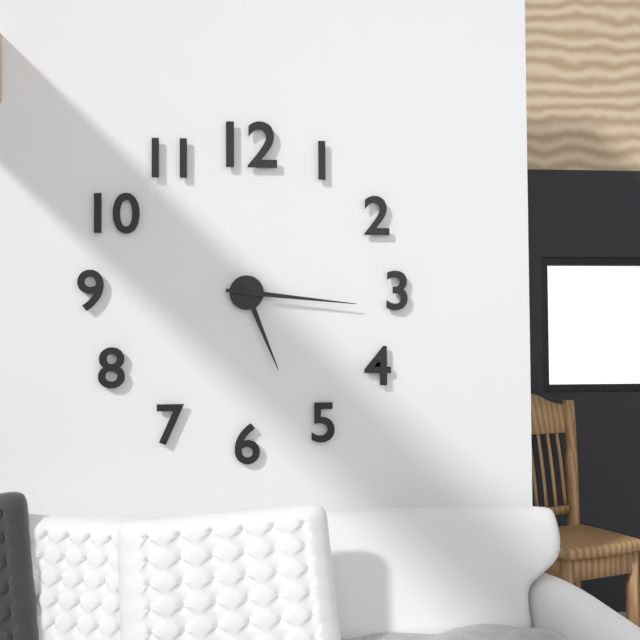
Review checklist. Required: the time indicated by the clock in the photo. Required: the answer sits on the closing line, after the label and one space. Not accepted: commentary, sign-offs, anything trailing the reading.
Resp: 5:16
